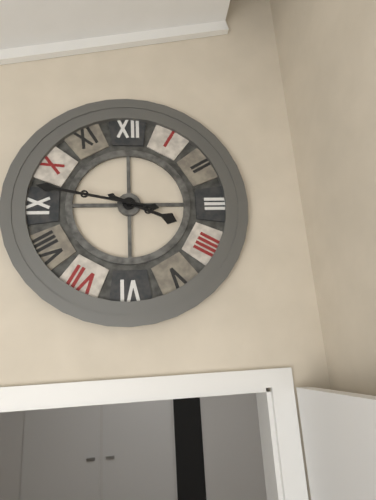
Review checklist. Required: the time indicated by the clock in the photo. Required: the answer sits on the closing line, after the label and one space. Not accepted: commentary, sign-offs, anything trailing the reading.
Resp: 3:47
